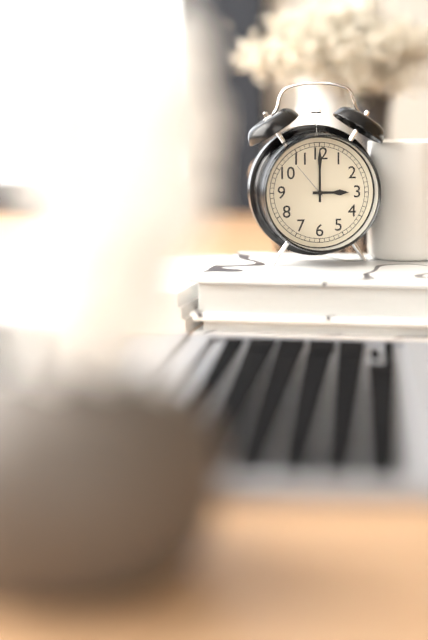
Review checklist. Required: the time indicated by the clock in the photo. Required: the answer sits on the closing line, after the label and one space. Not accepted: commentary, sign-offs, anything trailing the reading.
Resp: 3:00
